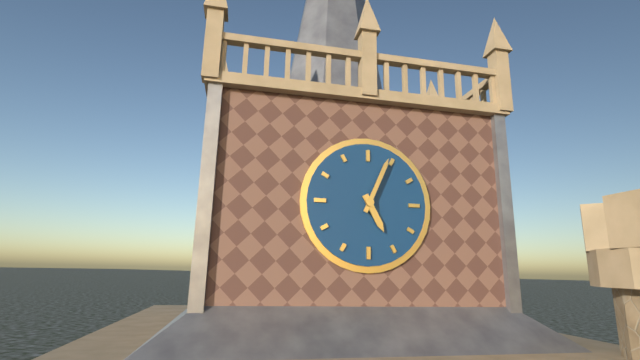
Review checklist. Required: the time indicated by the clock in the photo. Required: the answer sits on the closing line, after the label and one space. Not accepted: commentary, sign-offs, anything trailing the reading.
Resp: 5:04
